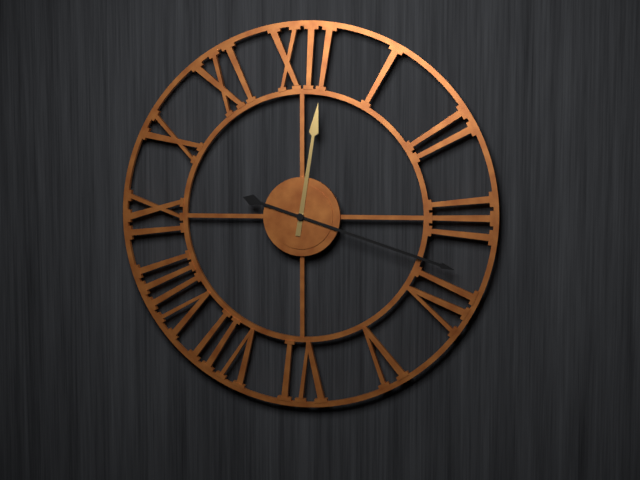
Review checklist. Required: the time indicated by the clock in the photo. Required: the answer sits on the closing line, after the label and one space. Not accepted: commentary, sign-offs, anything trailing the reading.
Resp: 12:18
